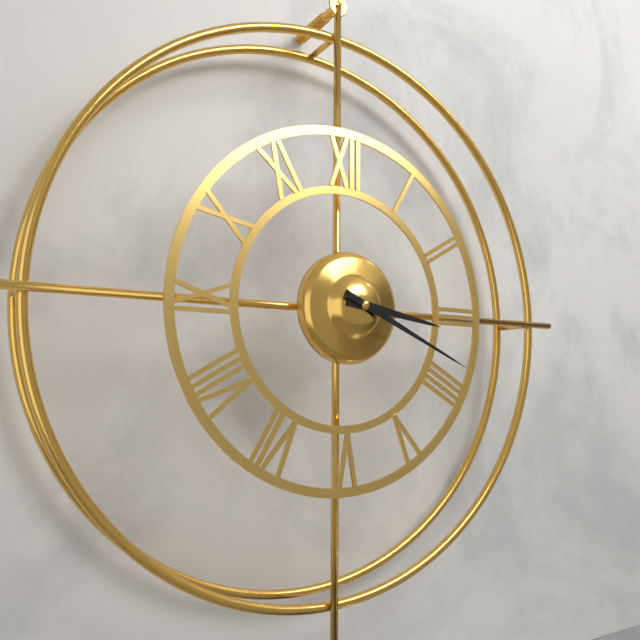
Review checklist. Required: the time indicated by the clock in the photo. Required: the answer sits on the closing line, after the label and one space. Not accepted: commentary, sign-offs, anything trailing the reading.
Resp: 3:19
